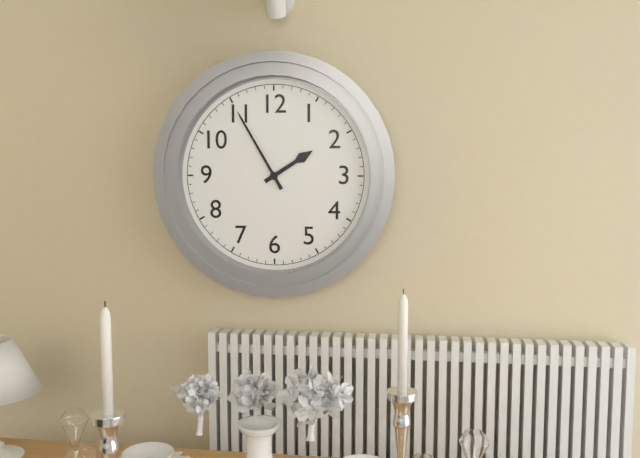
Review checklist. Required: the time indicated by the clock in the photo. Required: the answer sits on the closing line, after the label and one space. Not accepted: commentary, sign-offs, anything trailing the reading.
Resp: 1:55
